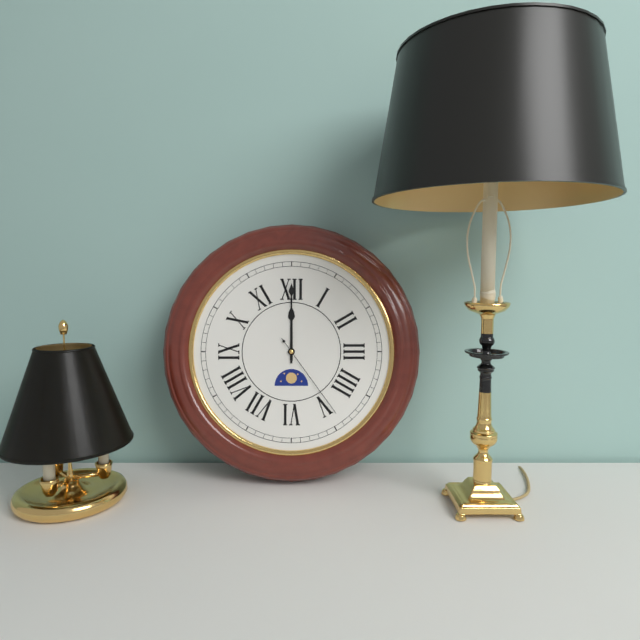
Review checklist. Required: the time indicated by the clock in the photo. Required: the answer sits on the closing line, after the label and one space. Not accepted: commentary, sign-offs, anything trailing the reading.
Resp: 12:00:24
